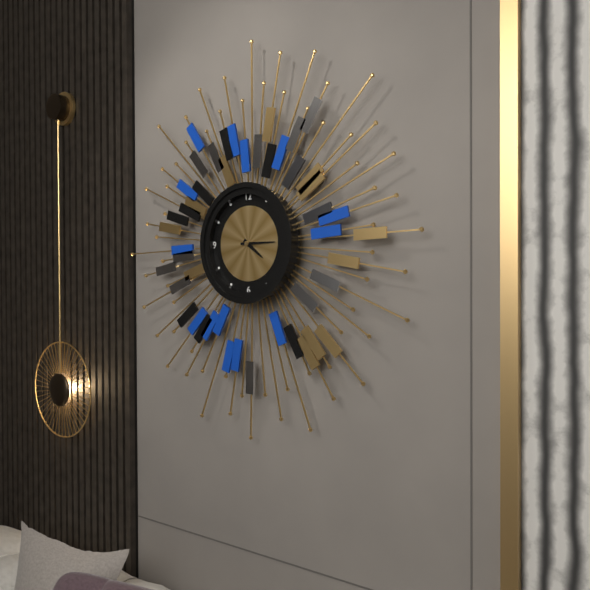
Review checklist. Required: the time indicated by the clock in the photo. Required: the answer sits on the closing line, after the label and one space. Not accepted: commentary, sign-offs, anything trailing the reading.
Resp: 4:15
